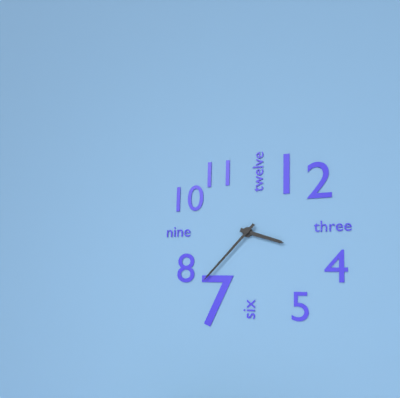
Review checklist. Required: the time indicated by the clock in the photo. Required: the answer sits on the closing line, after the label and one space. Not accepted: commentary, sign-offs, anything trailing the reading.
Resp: 3:37
